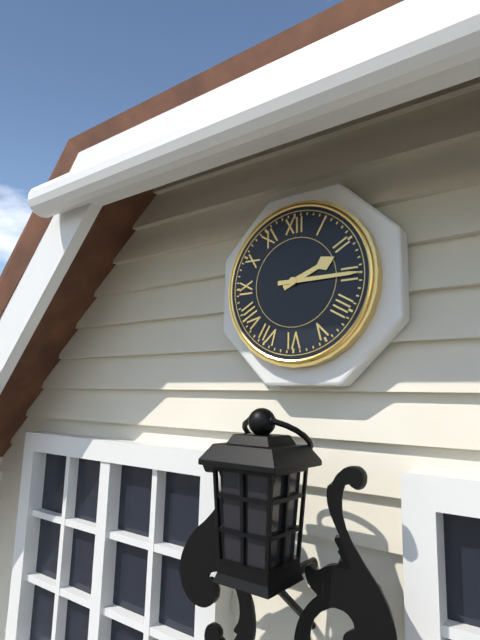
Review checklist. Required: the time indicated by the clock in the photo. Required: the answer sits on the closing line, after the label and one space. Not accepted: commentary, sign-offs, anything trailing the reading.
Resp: 2:15
